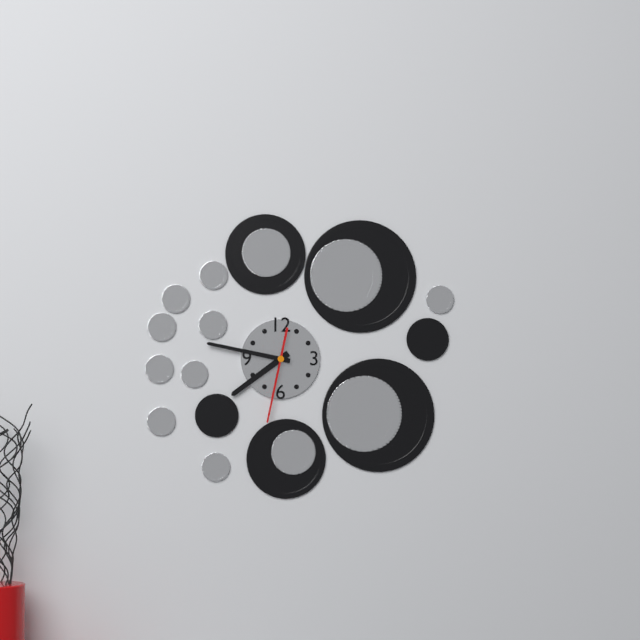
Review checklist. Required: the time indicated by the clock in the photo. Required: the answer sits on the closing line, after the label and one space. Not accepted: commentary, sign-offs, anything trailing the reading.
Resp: 7:47:32
